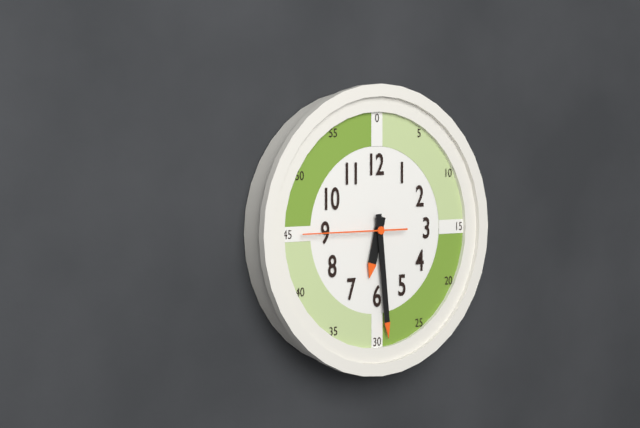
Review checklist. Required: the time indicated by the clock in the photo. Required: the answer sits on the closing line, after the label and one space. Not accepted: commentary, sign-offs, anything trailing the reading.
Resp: 6:29:45
